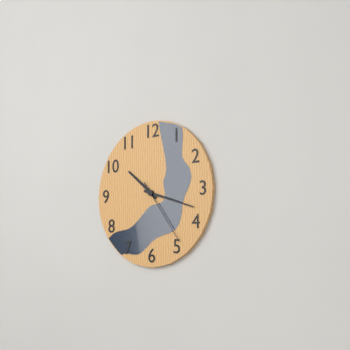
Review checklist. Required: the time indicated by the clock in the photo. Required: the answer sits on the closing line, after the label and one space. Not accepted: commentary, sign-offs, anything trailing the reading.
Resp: 10:18:24
